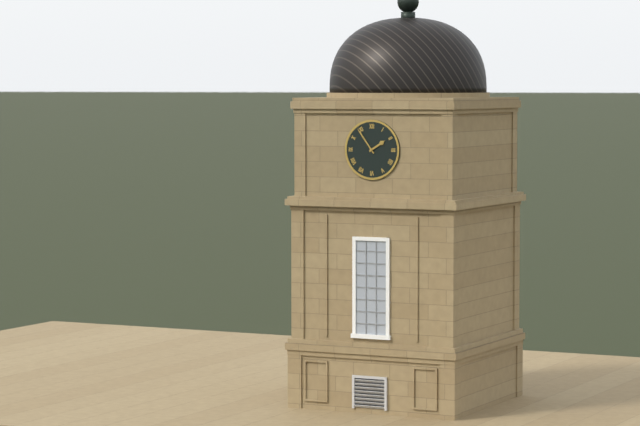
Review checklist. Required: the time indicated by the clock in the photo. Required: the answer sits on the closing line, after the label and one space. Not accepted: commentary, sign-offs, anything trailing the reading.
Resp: 1:54
